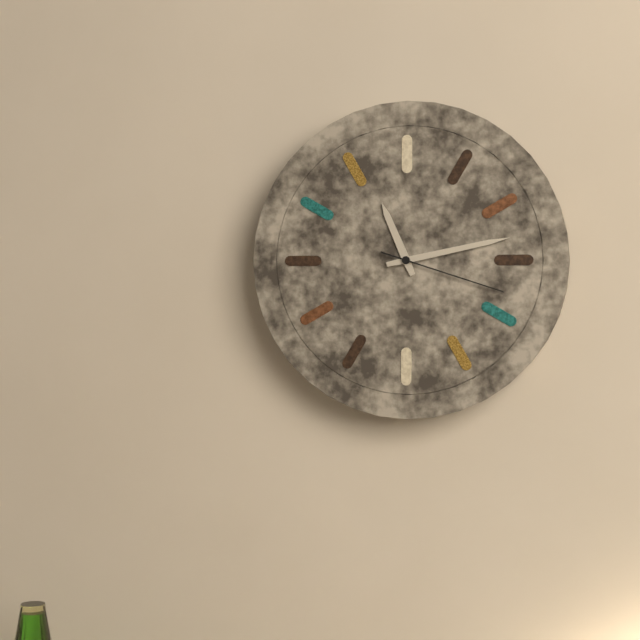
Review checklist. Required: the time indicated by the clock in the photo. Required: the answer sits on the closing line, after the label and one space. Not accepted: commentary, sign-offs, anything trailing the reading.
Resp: 11:13:18
